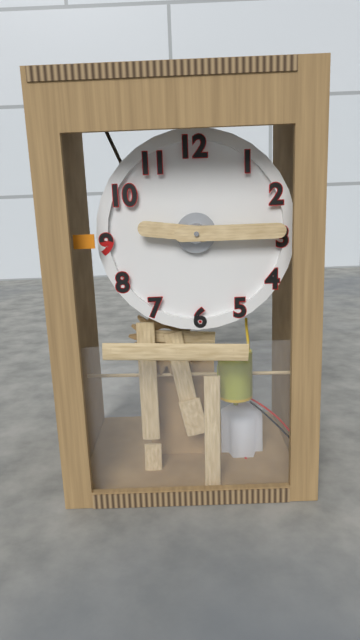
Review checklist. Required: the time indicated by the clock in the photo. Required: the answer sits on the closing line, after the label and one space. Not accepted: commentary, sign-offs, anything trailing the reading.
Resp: 9:15
